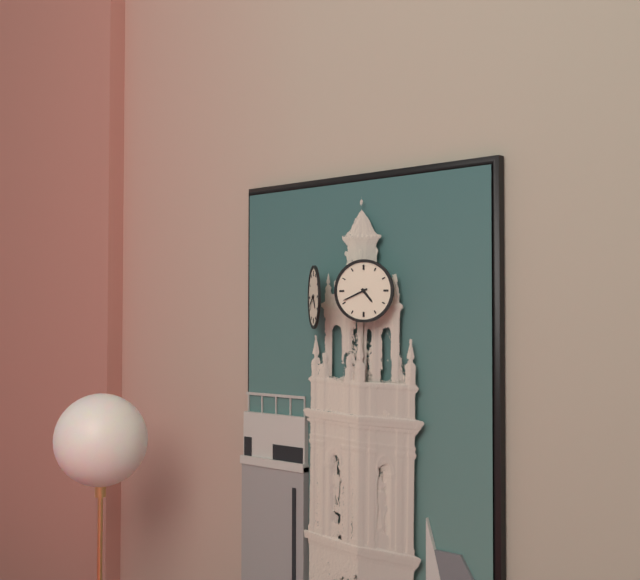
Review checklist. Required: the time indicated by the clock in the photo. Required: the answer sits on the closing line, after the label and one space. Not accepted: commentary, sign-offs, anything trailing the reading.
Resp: 4:41
